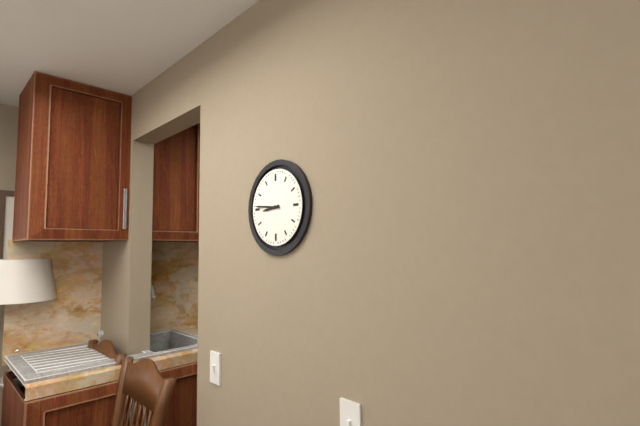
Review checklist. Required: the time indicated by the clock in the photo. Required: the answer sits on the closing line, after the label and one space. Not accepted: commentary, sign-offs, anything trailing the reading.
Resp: 8:46
